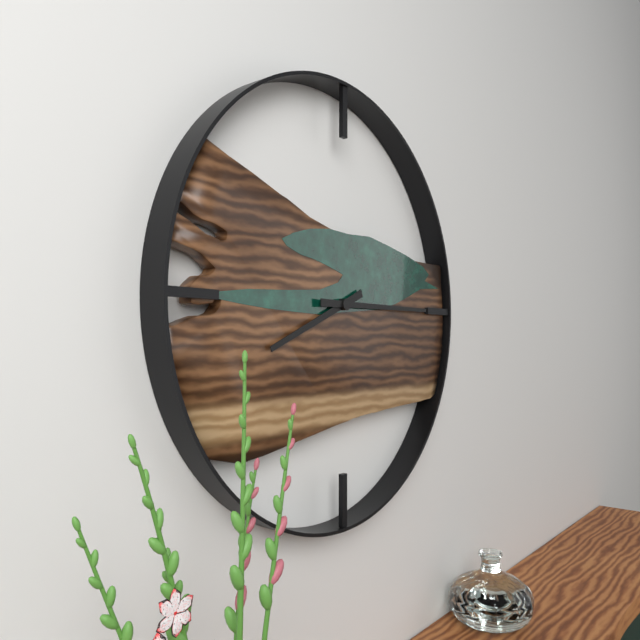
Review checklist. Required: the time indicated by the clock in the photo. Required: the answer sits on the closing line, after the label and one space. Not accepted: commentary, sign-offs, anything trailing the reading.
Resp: 8:15
